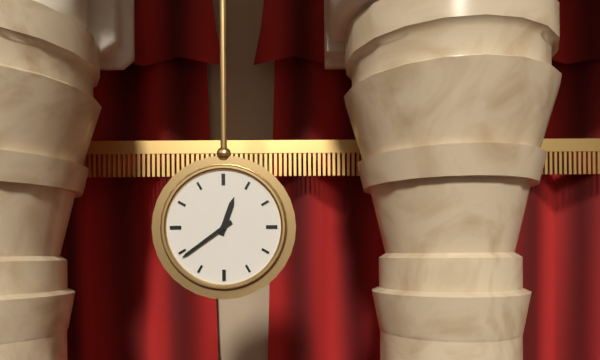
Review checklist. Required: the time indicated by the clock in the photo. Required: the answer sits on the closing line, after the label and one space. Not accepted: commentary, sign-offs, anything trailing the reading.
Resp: 12:39
